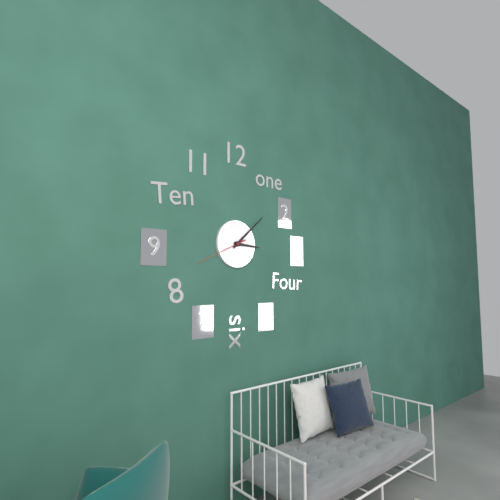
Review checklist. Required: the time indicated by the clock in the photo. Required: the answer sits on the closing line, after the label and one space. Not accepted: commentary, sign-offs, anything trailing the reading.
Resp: 3:08:41
